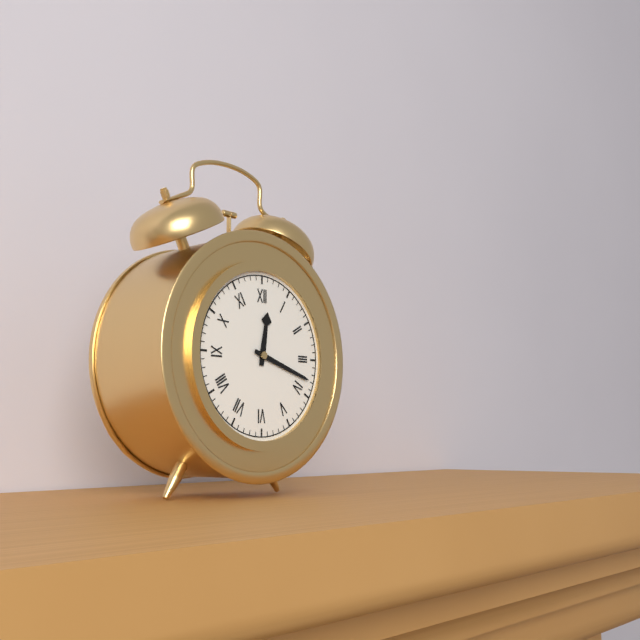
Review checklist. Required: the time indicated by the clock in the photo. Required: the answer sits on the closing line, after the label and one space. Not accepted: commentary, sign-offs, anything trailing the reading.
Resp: 12:18
